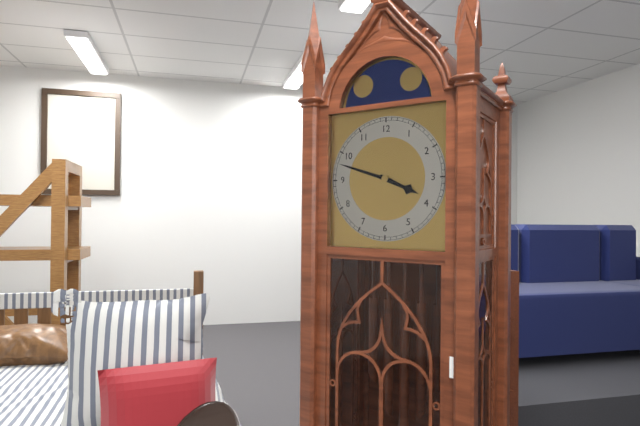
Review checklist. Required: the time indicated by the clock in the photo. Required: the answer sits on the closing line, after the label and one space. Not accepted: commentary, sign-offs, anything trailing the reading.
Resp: 3:48
